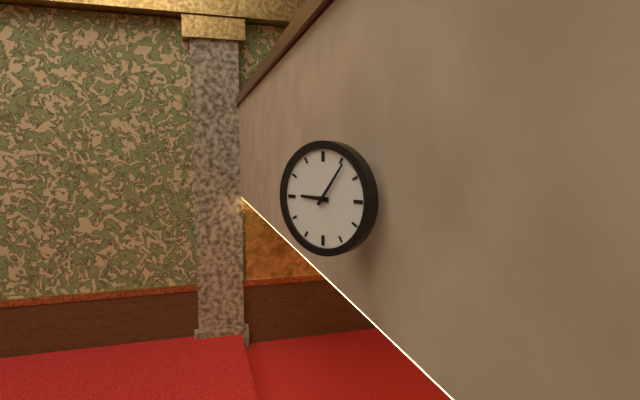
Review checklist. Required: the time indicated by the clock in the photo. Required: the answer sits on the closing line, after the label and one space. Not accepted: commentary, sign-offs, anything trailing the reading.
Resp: 9:06
